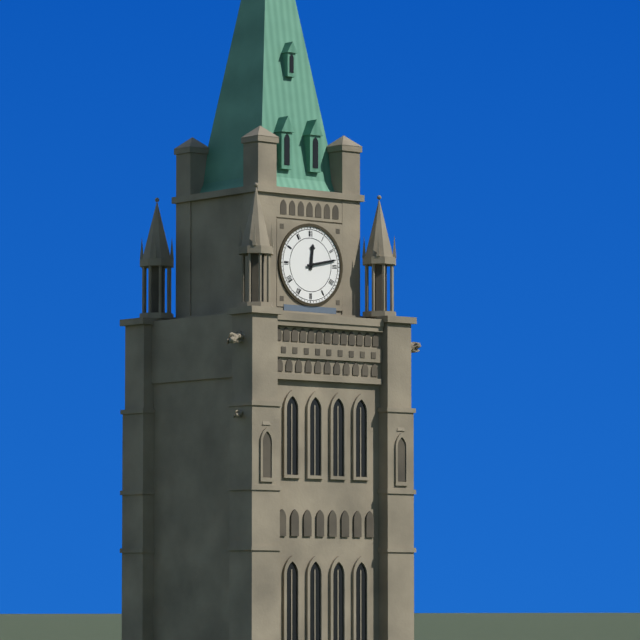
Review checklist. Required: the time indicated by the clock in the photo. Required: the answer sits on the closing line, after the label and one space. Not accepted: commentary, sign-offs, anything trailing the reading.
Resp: 12:13
